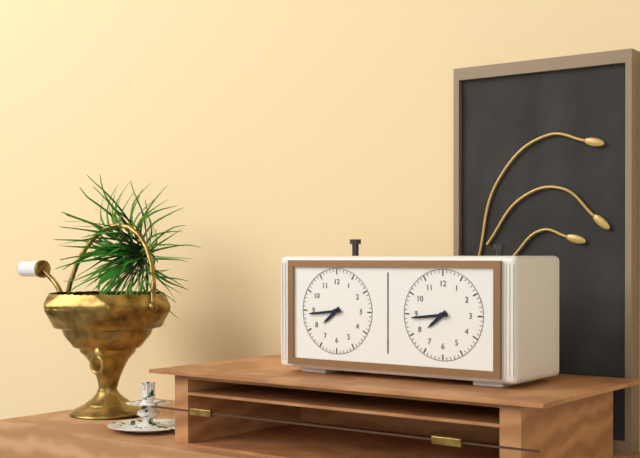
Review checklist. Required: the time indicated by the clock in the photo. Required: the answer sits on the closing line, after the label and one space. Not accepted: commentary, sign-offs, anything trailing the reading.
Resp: 7:44
